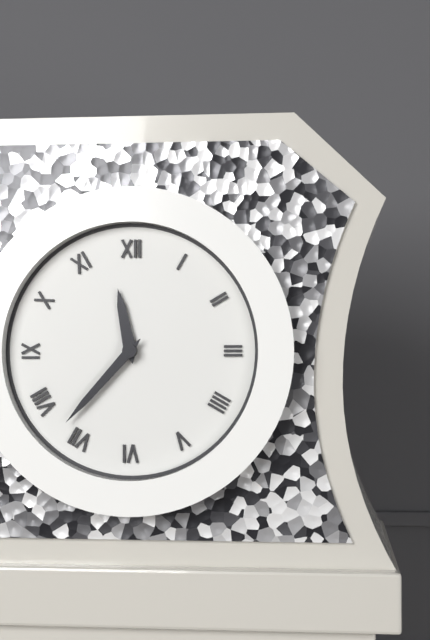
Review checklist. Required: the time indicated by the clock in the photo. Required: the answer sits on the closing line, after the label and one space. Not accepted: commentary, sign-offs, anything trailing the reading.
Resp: 11:37
